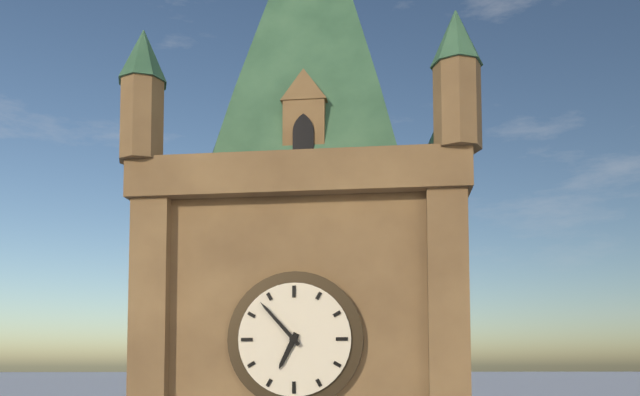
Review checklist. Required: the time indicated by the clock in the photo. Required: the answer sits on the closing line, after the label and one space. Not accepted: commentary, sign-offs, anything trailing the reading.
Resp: 6:53
